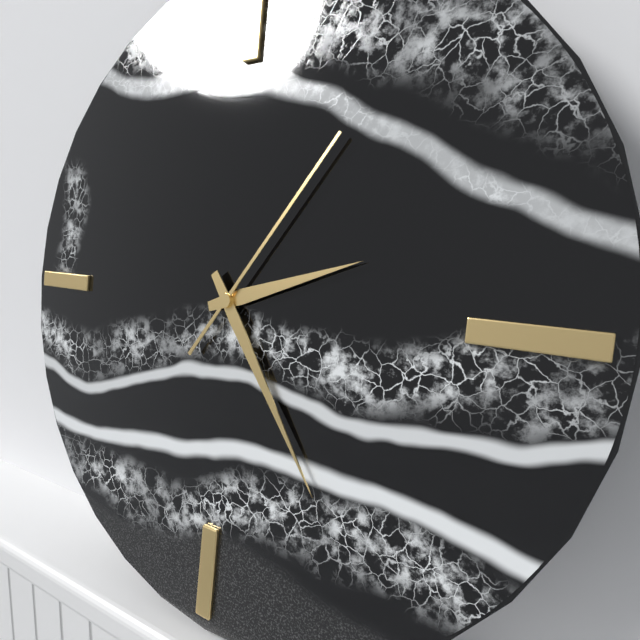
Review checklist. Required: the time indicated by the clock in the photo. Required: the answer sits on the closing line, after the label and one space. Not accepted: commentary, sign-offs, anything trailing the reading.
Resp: 2:24:06
